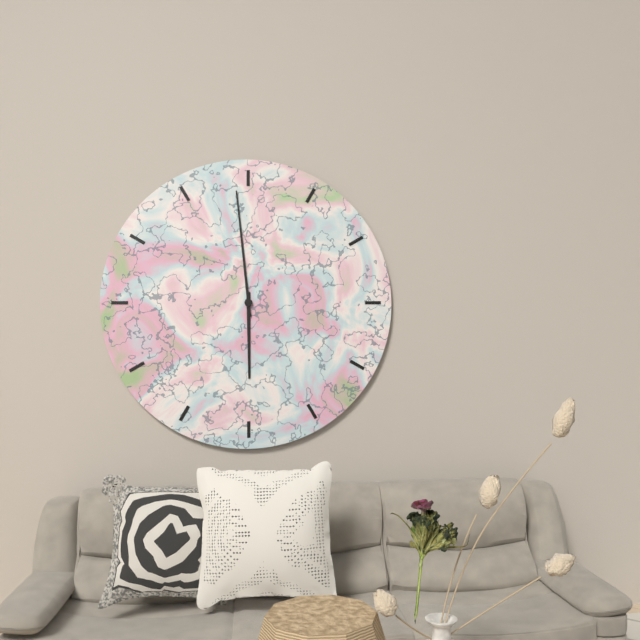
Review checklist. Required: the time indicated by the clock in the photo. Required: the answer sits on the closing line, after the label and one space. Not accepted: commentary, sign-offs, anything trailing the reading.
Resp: 5:59
